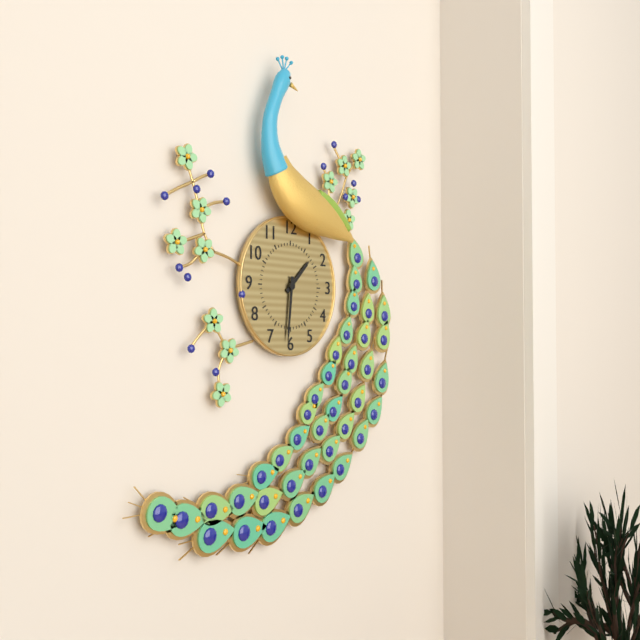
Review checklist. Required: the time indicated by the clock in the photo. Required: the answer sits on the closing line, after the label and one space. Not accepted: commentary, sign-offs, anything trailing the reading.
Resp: 1:31
